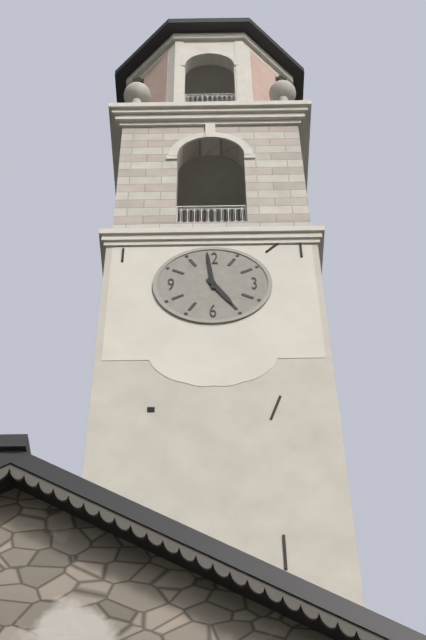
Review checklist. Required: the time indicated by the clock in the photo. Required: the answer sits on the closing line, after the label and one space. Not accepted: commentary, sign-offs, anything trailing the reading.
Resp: 4:59
